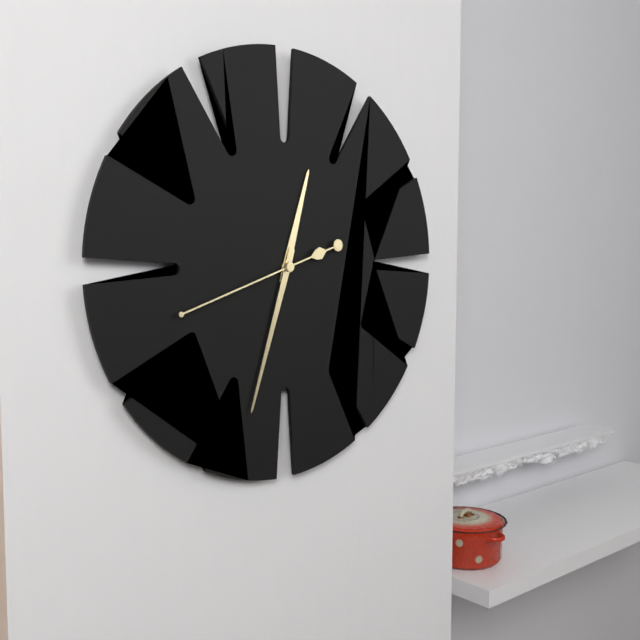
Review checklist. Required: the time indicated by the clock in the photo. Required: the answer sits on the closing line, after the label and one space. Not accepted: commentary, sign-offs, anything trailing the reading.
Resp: 12:33:42
